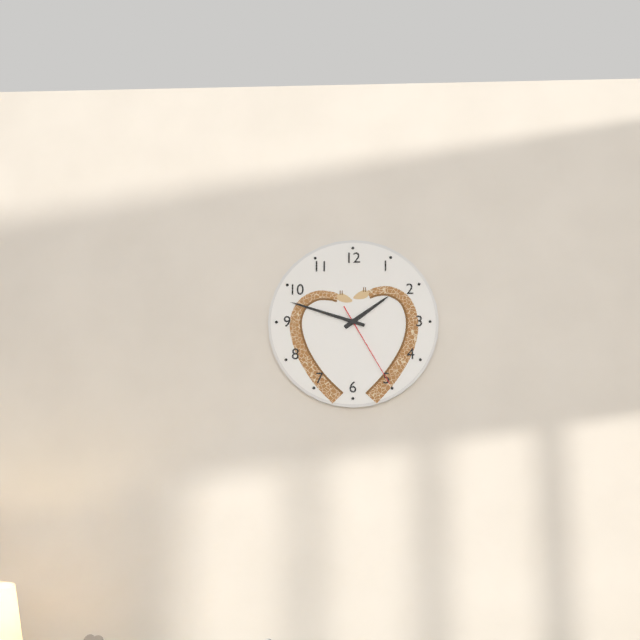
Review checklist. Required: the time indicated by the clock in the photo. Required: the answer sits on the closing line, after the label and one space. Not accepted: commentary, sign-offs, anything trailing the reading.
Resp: 1:48:25
